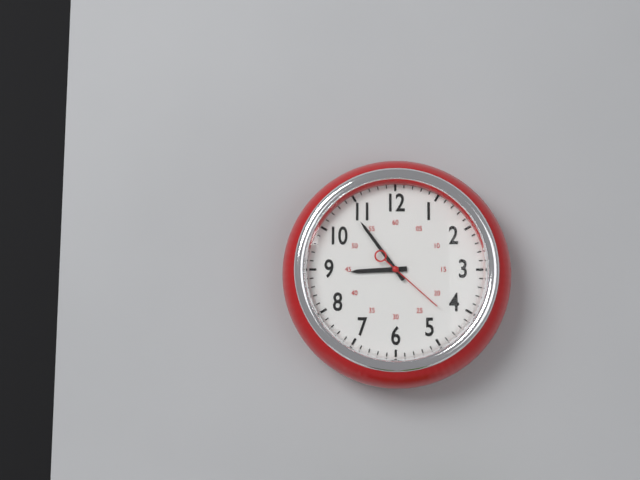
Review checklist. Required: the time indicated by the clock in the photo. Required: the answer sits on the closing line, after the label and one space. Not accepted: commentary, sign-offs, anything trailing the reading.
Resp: 8:54:22
